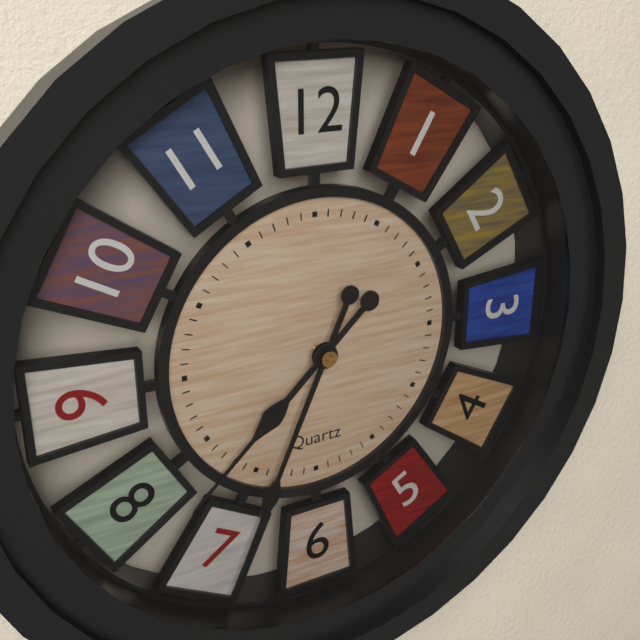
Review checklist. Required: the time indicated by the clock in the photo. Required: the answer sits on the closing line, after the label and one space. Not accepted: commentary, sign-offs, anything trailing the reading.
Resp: 7:34
